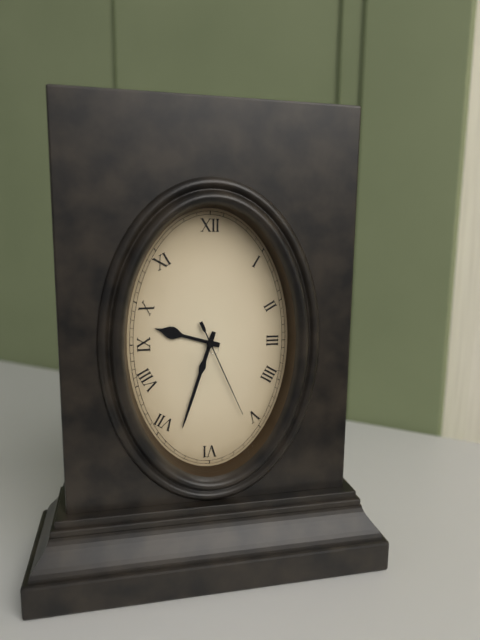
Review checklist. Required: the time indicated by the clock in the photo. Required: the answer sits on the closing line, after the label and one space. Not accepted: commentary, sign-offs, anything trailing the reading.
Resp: 9:33:26
